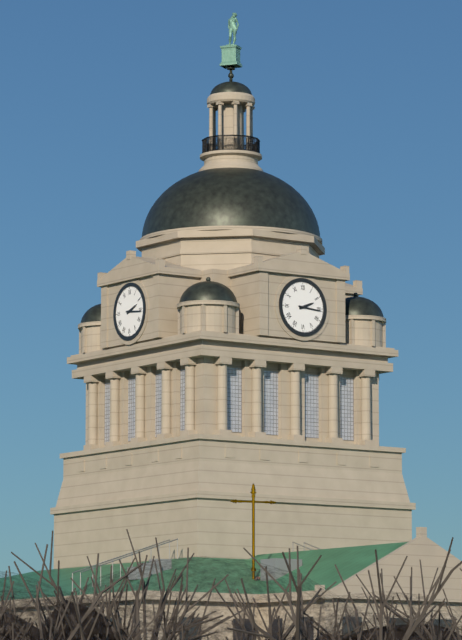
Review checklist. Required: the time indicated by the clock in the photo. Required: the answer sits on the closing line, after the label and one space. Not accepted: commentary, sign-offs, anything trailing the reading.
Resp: 2:16
